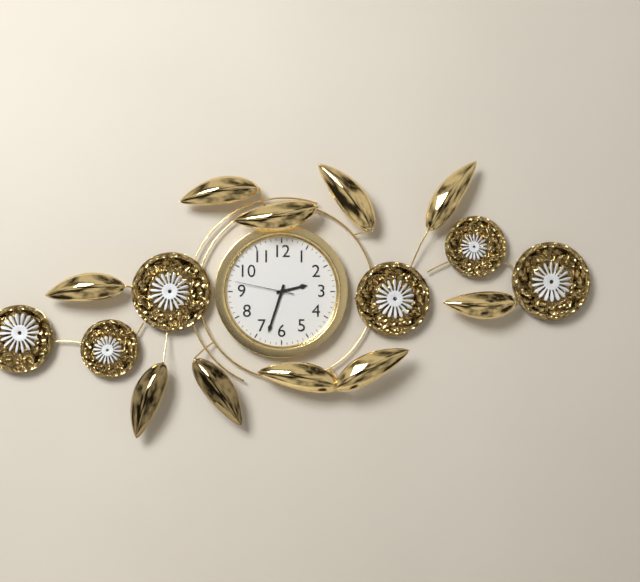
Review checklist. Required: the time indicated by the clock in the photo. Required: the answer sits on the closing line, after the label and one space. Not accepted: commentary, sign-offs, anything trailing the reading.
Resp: 2:33:47
